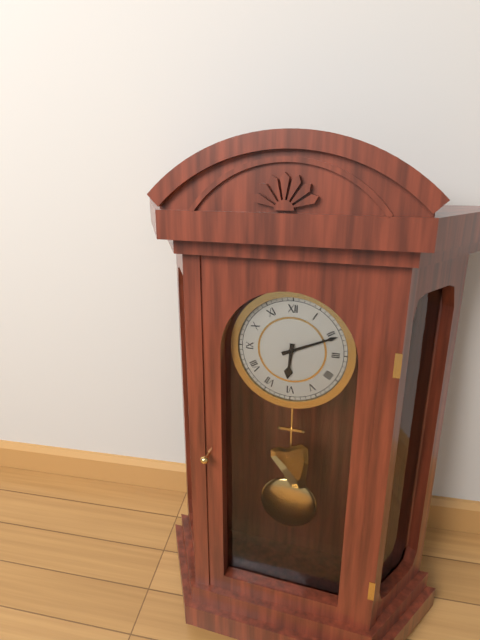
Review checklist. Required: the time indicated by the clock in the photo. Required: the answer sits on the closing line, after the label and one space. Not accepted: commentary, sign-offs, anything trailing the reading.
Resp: 6:11
